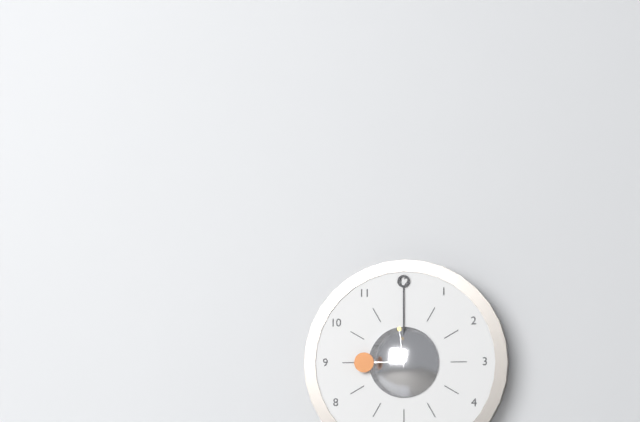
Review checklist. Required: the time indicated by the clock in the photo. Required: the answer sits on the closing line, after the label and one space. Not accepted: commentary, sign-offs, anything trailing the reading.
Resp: 9:00
